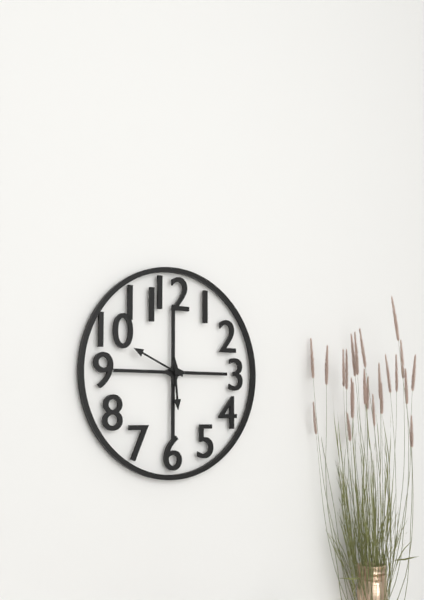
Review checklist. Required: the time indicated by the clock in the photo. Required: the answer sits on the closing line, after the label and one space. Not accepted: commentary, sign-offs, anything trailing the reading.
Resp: 5:49
